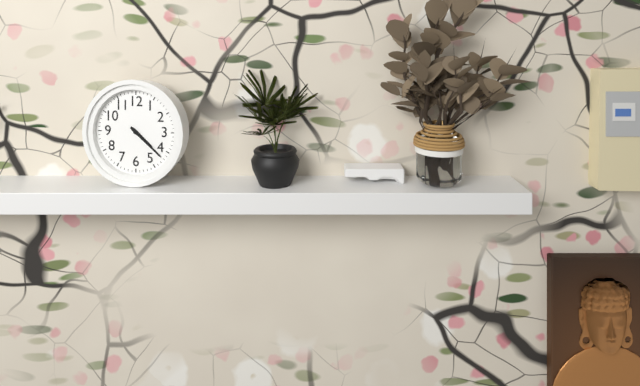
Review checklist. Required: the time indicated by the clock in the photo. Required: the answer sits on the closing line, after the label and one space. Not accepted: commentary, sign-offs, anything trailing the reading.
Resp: 4:22
